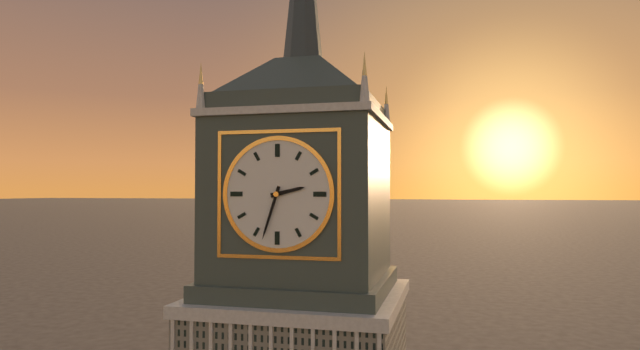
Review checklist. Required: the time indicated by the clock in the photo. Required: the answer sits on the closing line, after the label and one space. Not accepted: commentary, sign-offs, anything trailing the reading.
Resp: 2:33
